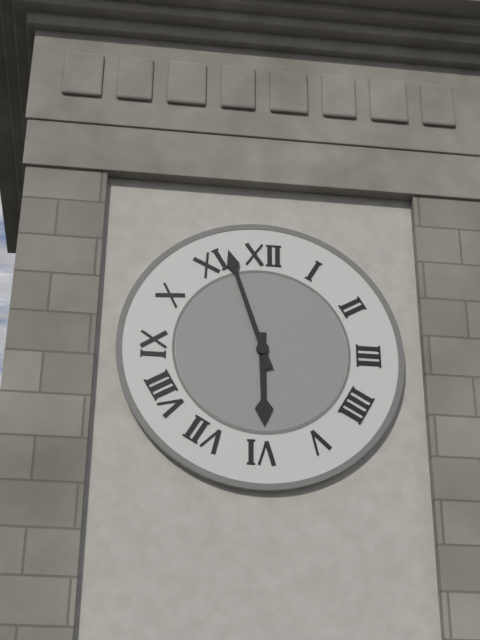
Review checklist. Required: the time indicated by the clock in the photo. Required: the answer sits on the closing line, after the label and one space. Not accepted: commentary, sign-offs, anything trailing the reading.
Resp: 5:57
